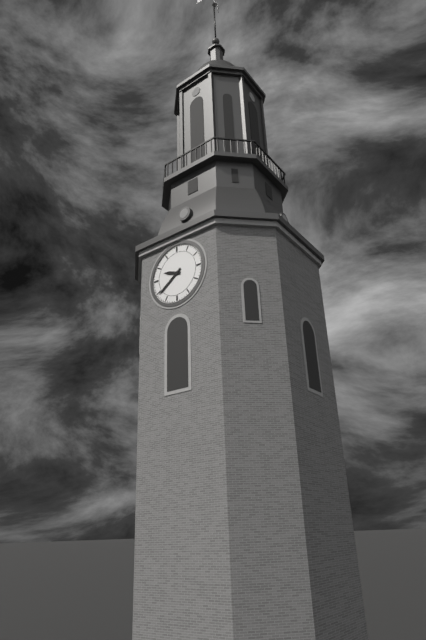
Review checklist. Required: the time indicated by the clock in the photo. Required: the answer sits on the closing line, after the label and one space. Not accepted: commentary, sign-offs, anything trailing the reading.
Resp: 9:39
